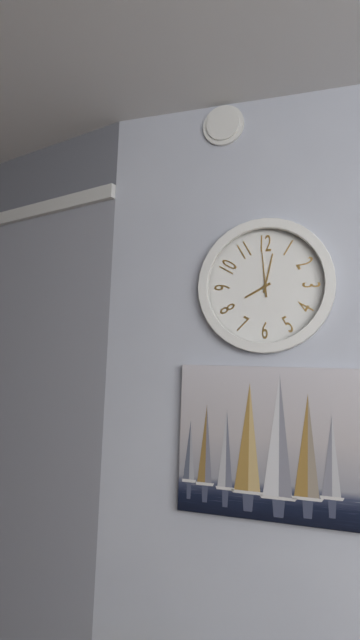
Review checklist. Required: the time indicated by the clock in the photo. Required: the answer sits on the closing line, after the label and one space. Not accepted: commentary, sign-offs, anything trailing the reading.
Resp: 8:02:59
